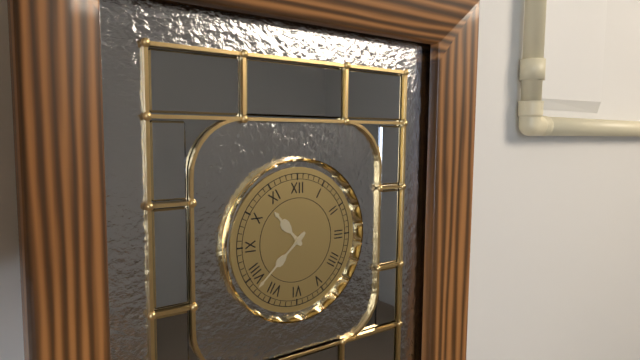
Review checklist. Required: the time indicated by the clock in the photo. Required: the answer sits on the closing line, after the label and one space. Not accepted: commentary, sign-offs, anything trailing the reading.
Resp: 10:38
